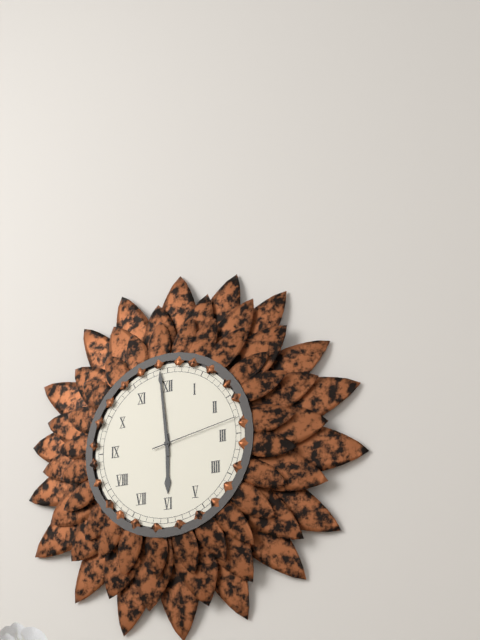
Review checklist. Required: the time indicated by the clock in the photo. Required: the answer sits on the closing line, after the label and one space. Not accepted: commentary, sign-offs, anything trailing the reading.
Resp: 5:59:13
